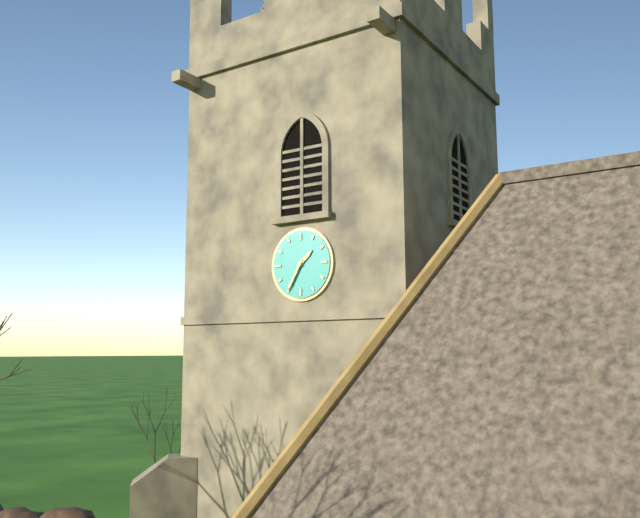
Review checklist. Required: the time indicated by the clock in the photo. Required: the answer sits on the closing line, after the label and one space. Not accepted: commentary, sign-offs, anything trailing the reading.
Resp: 1:35
